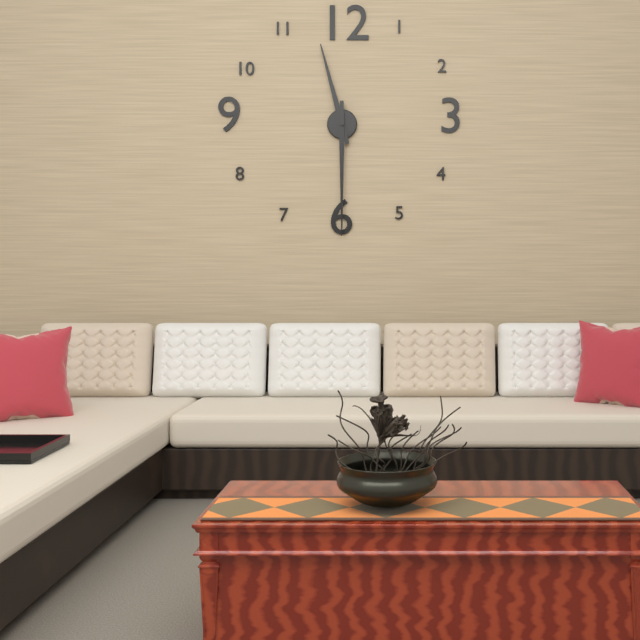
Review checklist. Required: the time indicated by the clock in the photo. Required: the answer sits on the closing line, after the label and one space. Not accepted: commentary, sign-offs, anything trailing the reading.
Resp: 11:30
